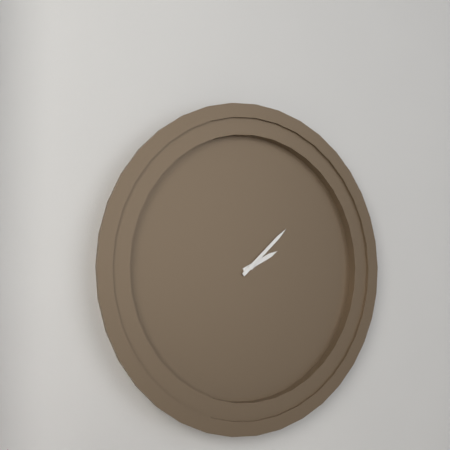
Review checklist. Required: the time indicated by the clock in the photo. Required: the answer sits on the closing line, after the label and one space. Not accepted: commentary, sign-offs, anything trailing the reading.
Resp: 2:08
